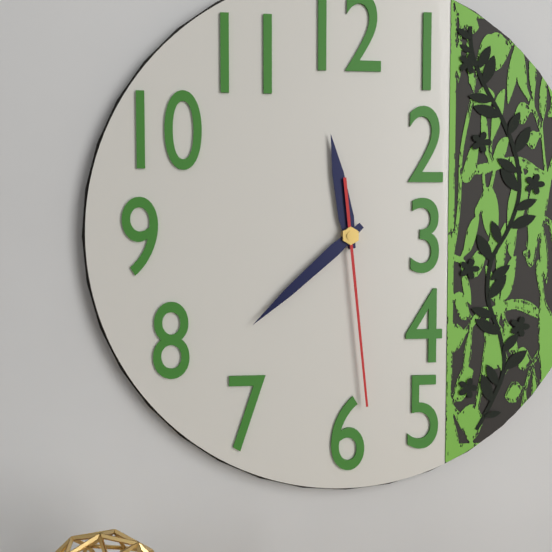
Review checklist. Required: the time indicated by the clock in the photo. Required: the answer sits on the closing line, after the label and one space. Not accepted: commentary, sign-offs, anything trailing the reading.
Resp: 11:38:29
